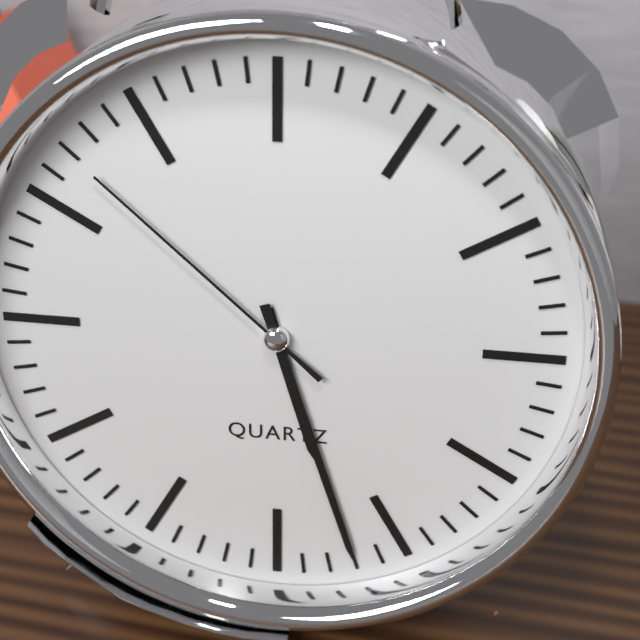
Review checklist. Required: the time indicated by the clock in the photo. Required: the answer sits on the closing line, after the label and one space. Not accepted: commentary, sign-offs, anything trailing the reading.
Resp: 5:27:52
